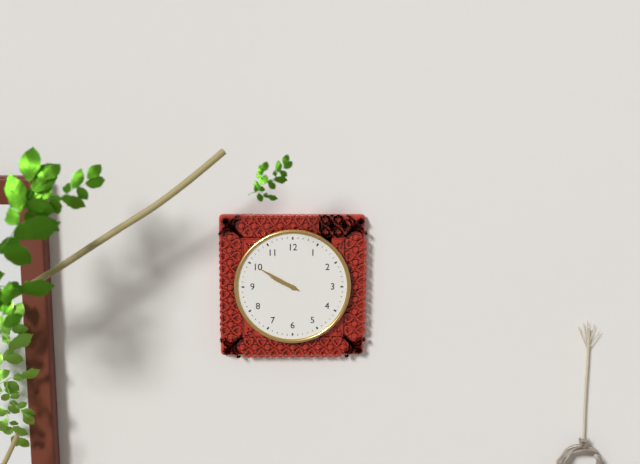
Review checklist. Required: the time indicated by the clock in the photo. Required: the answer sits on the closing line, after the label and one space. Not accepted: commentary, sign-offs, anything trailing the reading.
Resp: 9:50
